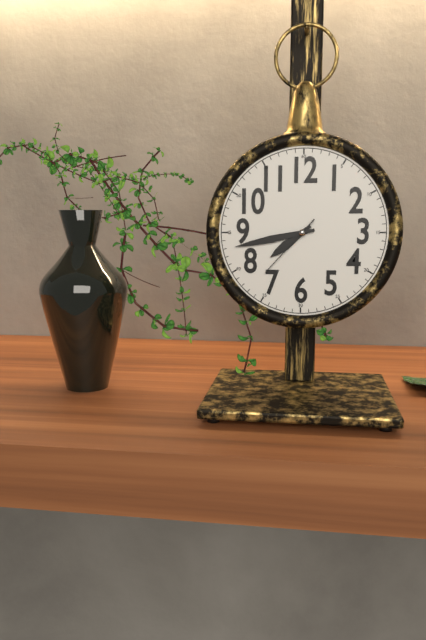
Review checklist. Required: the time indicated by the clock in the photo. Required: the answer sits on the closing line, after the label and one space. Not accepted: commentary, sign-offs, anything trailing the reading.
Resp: 7:43:37
